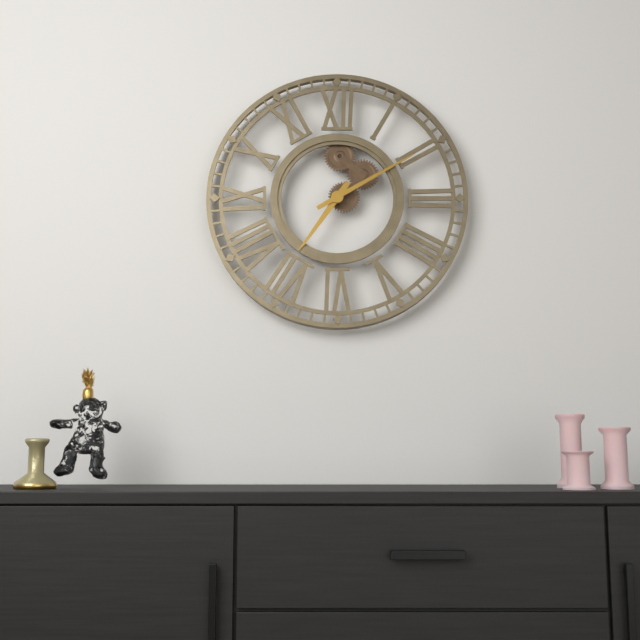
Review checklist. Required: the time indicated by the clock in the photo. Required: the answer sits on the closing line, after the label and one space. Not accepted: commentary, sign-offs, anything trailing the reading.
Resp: 7:10
